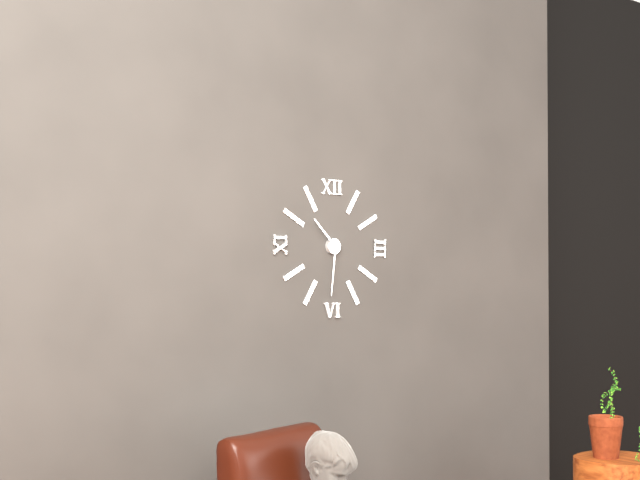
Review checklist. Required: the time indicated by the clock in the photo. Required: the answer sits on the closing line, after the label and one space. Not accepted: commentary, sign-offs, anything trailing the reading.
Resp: 10:31
